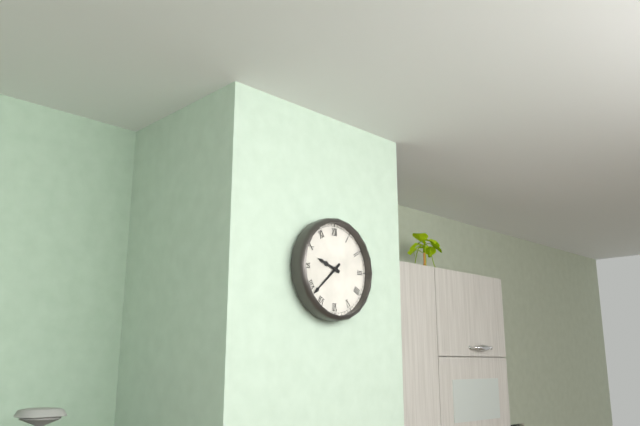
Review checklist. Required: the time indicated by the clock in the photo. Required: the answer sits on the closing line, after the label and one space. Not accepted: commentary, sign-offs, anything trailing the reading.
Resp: 9:38
